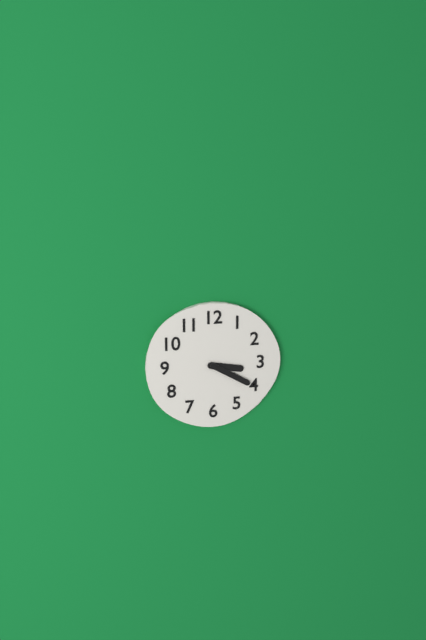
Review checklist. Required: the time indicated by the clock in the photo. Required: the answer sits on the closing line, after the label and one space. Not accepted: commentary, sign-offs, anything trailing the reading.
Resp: 3:20
